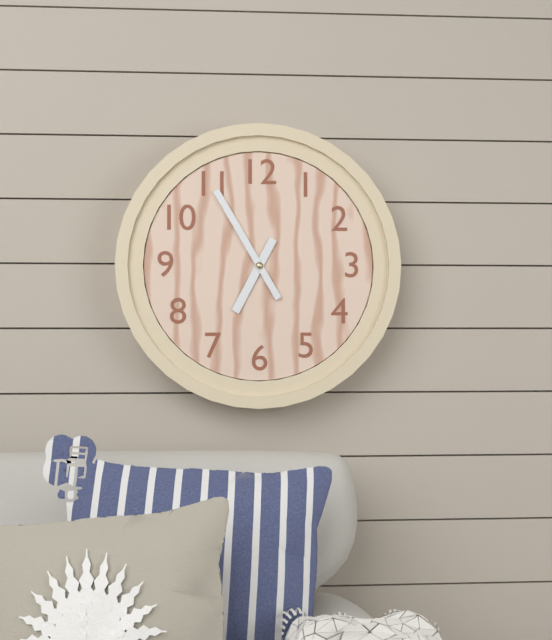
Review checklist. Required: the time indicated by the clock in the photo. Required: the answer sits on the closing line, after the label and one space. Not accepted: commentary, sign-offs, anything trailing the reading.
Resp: 6:55
